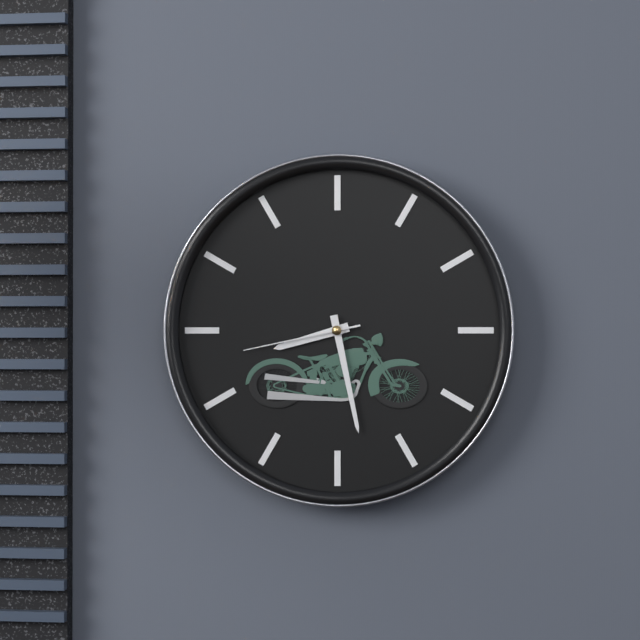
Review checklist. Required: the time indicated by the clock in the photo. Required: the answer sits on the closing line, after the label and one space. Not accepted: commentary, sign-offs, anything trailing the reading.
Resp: 8:28:43
